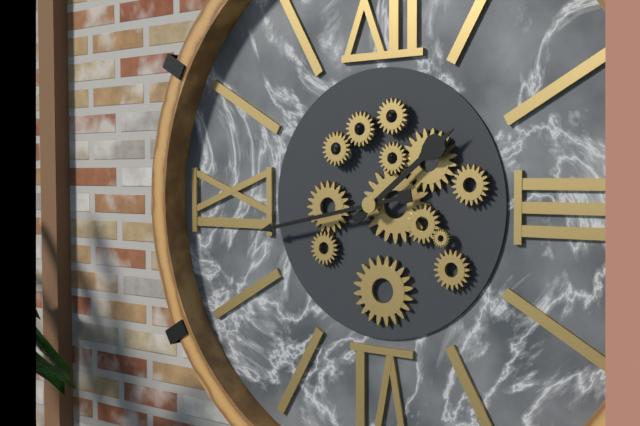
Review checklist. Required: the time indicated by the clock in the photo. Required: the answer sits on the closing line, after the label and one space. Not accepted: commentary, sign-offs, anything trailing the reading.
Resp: 1:43
